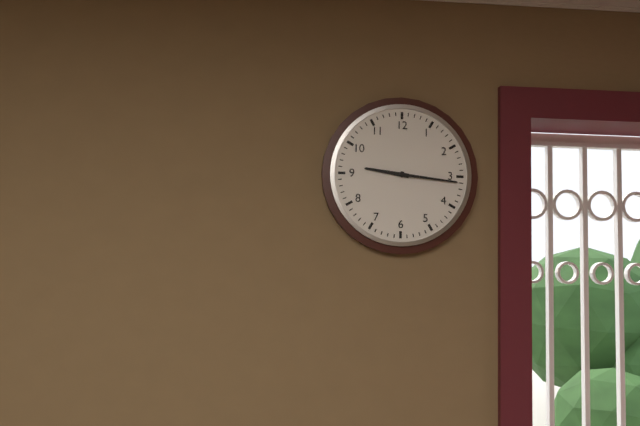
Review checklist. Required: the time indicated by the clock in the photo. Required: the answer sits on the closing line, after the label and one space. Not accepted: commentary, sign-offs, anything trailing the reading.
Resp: 9:16
